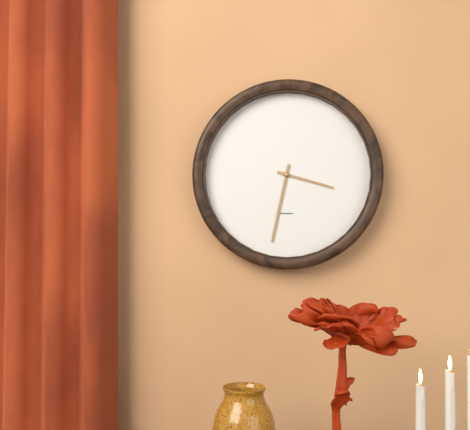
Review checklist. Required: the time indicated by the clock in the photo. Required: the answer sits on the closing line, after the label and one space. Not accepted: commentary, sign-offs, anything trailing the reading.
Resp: 3:32
